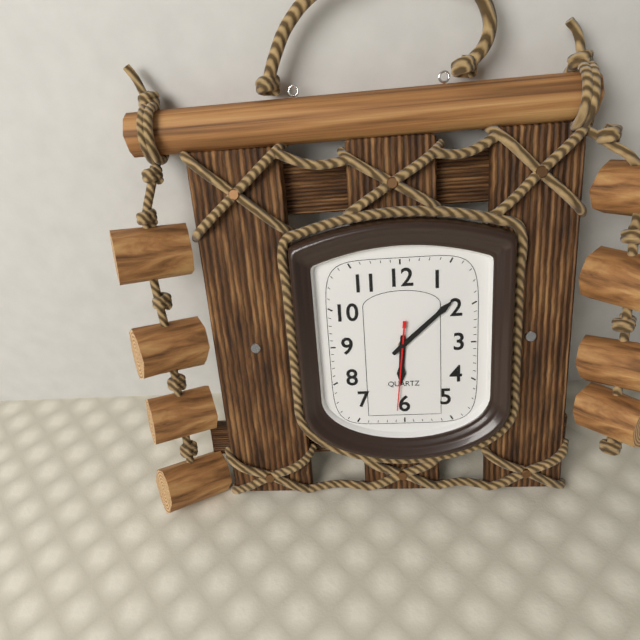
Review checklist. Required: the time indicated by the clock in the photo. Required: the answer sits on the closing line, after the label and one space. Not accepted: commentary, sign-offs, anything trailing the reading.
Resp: 6:08:31
